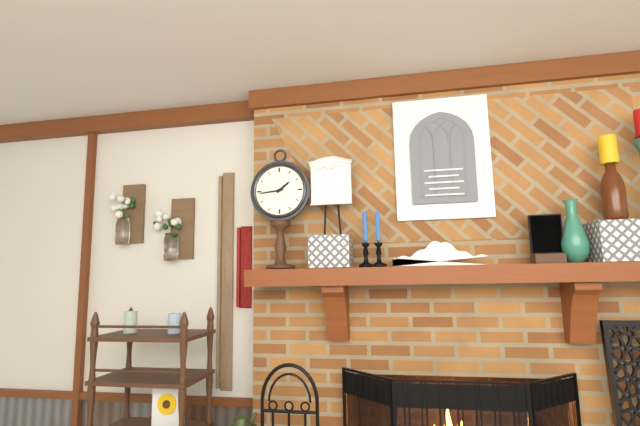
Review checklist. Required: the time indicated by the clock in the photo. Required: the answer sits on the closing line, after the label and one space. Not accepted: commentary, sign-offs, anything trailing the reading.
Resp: 1:44
